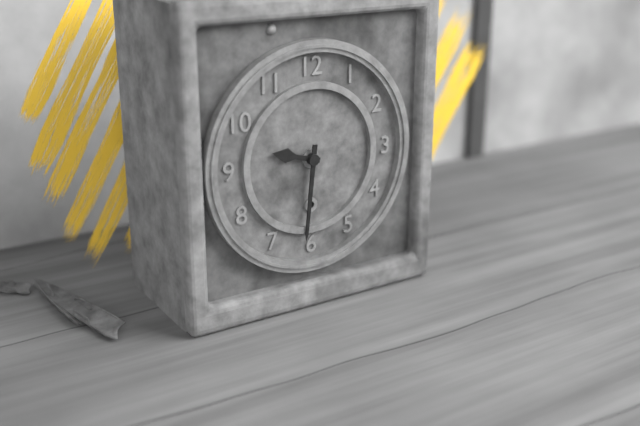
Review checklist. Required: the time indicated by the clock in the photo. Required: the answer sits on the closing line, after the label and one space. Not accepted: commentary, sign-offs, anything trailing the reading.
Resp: 9:31
